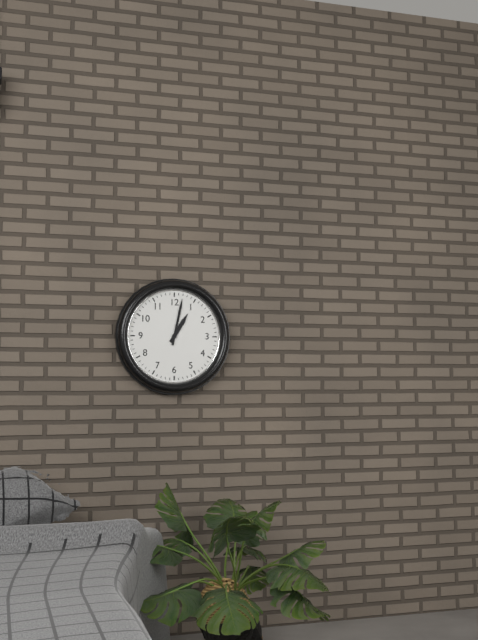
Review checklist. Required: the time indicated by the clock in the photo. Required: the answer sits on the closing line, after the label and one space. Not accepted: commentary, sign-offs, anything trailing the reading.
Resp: 1:02
